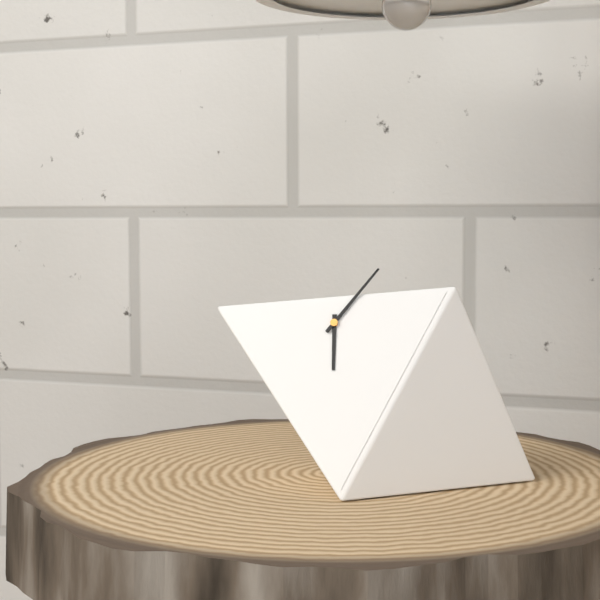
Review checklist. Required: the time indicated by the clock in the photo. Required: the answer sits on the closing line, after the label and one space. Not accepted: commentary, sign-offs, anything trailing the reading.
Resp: 6:07
